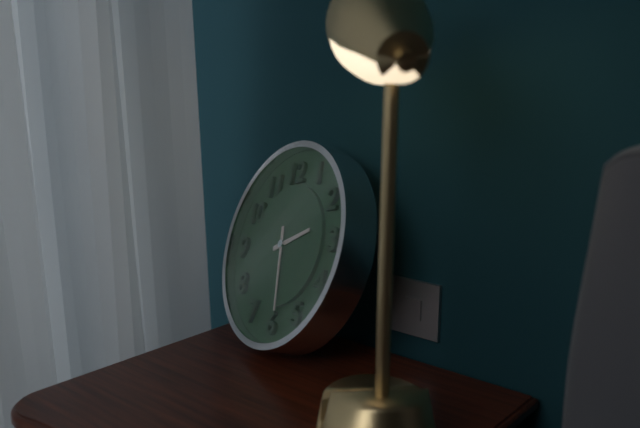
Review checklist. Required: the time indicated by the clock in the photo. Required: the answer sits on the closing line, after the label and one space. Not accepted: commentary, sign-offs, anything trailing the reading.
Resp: 2:29
